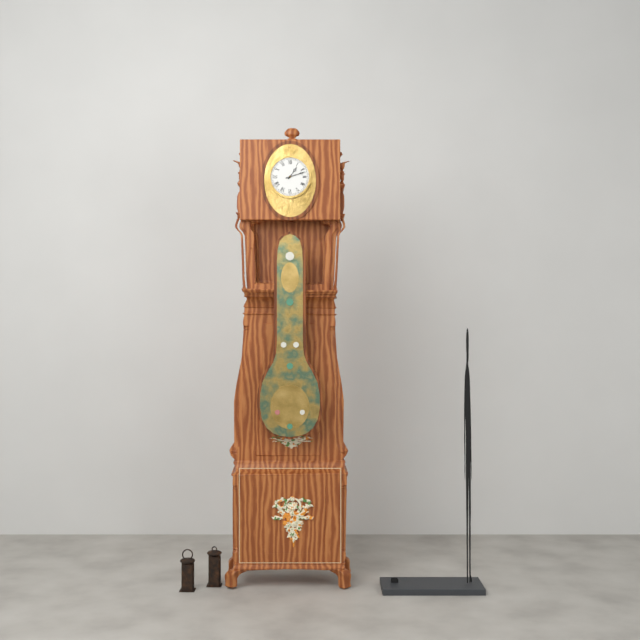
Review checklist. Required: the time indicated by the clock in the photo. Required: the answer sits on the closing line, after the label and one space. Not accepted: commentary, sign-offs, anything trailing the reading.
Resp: 1:12
